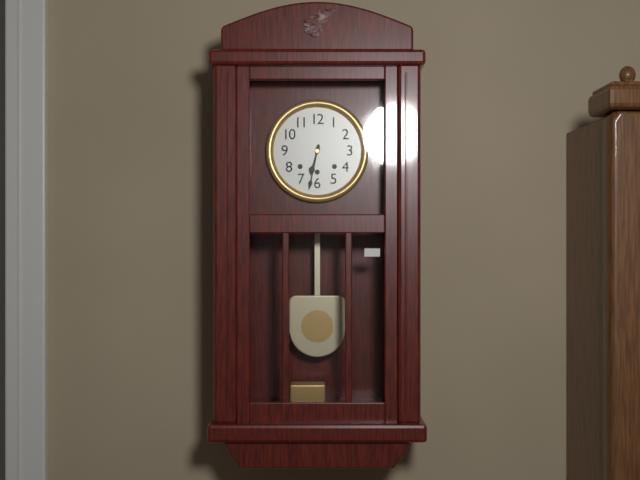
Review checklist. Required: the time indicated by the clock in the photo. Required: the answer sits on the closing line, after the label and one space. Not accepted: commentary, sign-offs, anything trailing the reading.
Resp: 6:32
